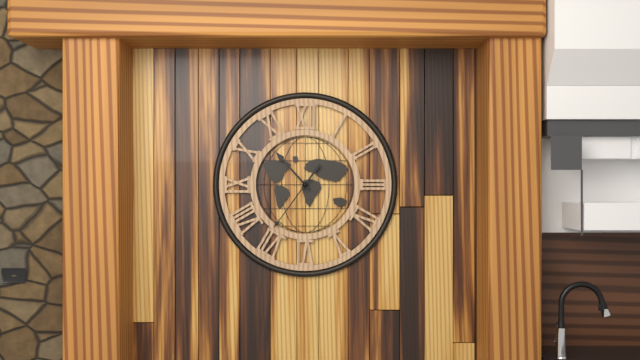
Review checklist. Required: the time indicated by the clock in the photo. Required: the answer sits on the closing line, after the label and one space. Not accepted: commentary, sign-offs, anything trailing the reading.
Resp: 10:36
